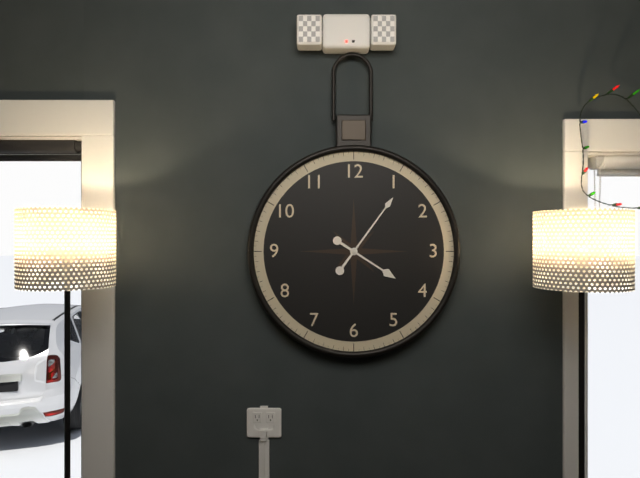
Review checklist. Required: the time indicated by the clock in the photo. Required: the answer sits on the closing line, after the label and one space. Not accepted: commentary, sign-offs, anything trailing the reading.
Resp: 4:06
